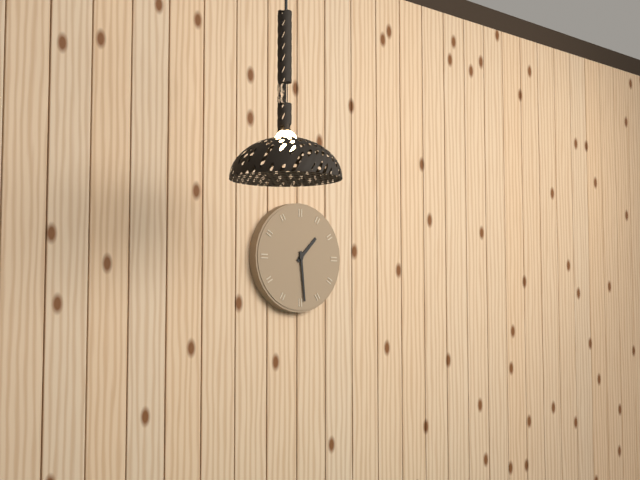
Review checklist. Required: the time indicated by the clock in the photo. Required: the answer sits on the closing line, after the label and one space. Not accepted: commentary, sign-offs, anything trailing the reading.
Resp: 1:29
